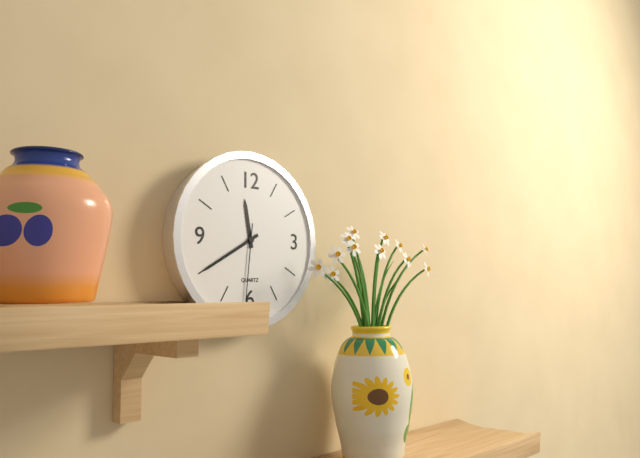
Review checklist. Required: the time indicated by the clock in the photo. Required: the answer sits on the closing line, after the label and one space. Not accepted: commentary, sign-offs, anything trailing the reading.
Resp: 11:40:31
